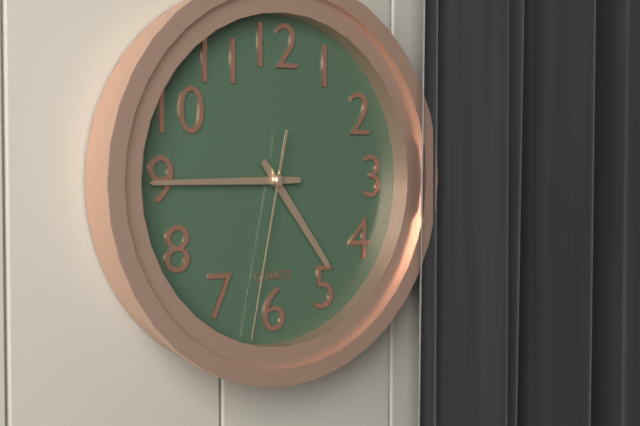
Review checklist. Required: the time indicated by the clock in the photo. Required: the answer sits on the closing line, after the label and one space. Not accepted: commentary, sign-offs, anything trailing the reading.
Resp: 4:45:32
